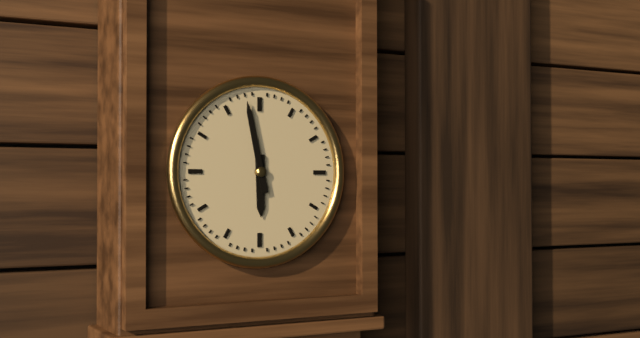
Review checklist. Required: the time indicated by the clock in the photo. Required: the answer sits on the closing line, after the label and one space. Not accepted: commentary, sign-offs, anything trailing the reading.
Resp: 5:58
